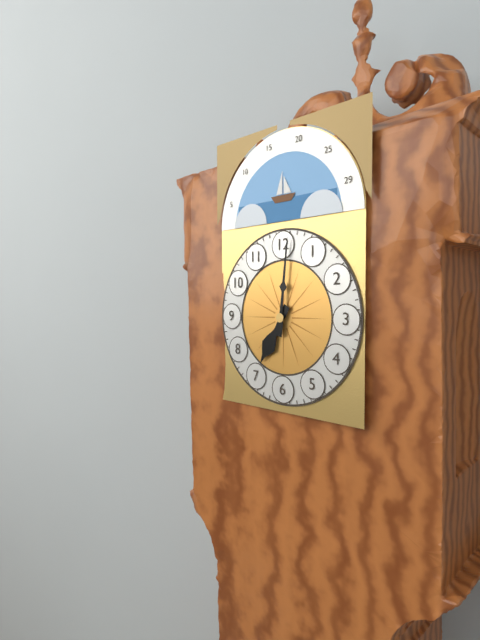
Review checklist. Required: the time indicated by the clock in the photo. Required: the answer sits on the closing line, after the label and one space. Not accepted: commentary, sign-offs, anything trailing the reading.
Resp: 7:01
